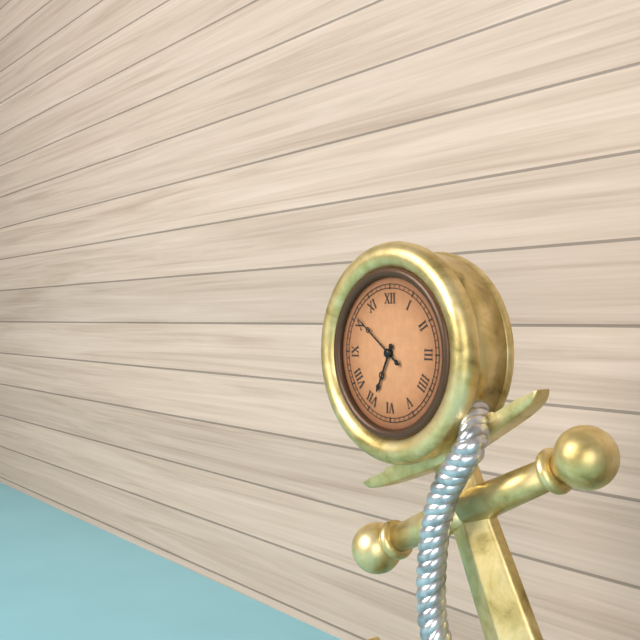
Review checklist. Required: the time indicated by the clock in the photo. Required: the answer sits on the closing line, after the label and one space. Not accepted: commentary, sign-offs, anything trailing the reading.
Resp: 6:51
